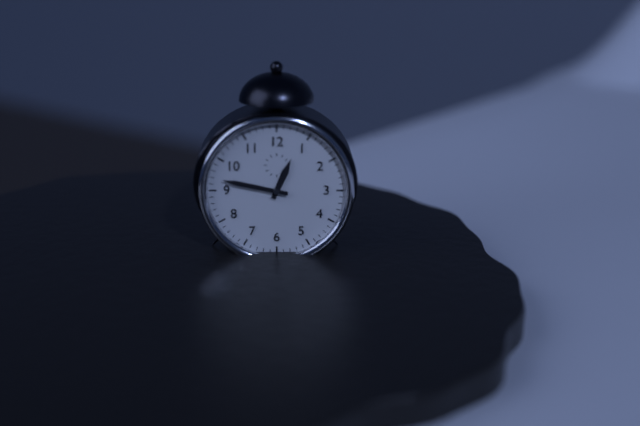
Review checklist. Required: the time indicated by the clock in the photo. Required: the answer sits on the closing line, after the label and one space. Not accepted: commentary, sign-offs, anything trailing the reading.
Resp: 12:47
